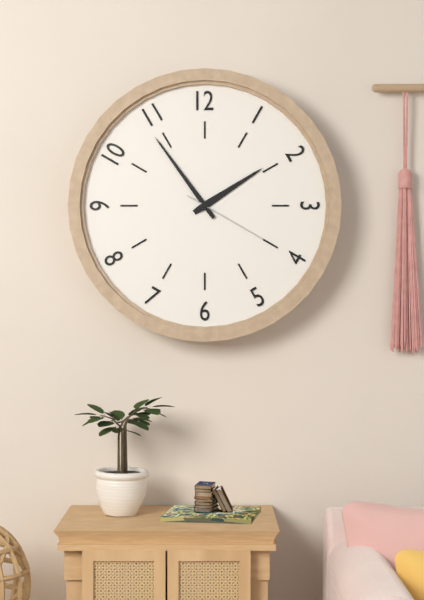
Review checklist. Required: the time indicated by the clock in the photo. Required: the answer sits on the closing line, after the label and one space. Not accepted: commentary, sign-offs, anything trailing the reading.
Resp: 1:54:20
